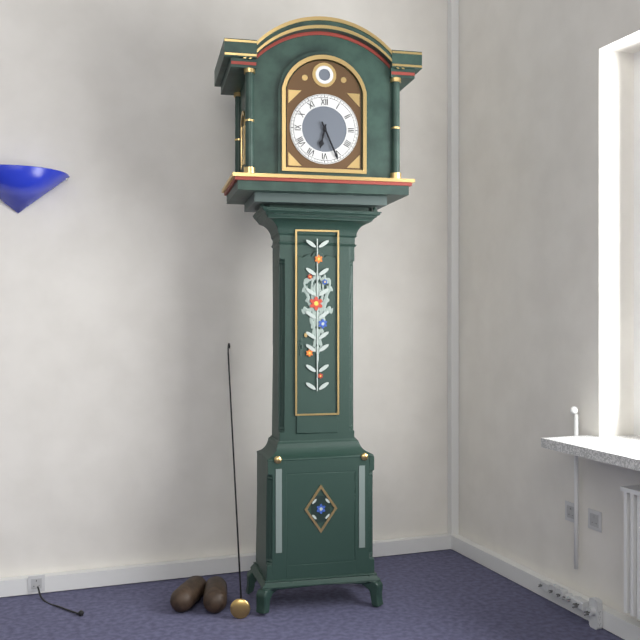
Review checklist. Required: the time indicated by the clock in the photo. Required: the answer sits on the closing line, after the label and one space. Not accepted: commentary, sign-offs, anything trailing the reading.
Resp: 6:26
